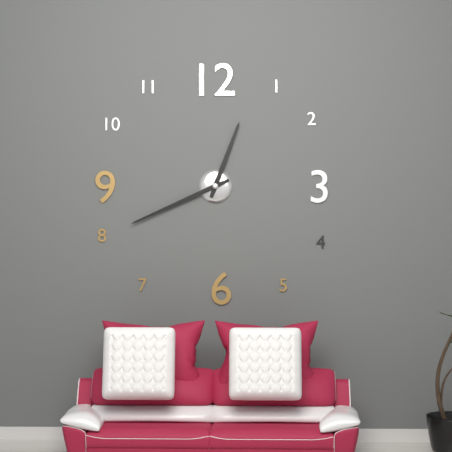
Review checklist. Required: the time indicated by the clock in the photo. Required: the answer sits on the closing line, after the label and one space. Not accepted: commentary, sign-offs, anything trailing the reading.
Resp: 12:41
